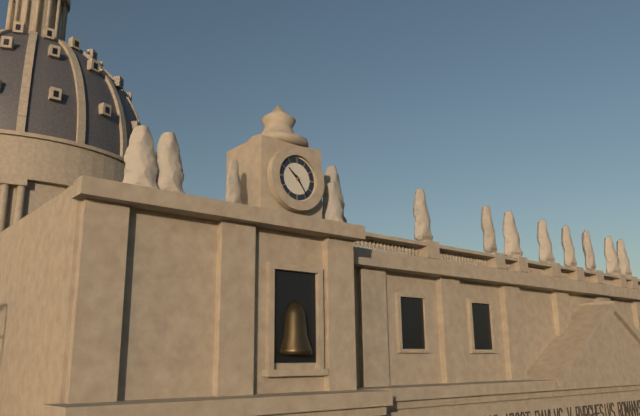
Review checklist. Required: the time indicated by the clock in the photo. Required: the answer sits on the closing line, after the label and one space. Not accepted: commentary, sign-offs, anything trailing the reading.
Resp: 10:24
